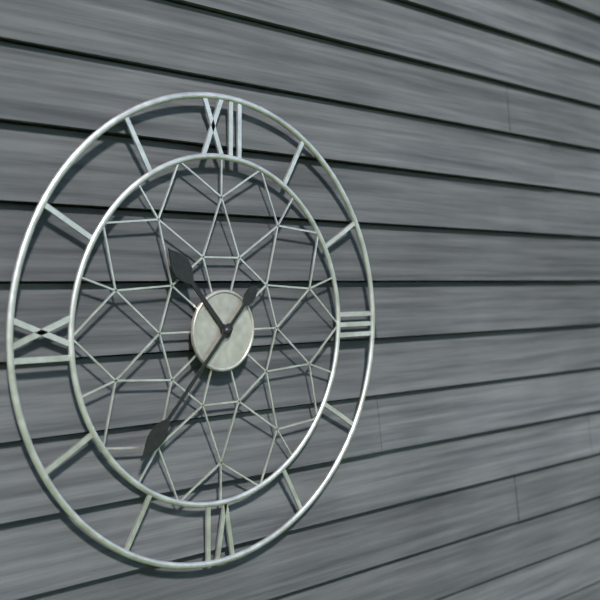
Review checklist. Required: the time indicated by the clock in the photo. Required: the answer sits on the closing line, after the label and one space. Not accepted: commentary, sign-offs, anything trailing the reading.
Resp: 10:37
